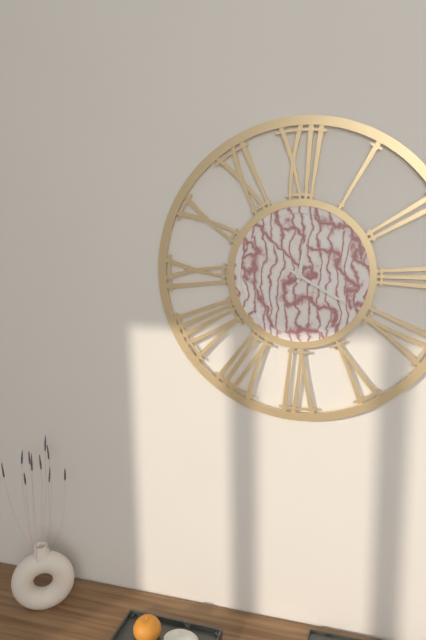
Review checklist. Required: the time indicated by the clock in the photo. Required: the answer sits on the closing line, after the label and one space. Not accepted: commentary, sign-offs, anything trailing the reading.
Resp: 12:20
